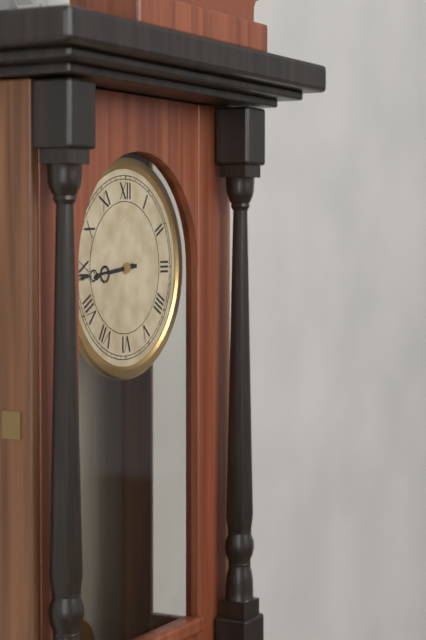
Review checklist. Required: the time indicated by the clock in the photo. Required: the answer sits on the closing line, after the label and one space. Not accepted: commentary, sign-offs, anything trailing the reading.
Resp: 8:44
